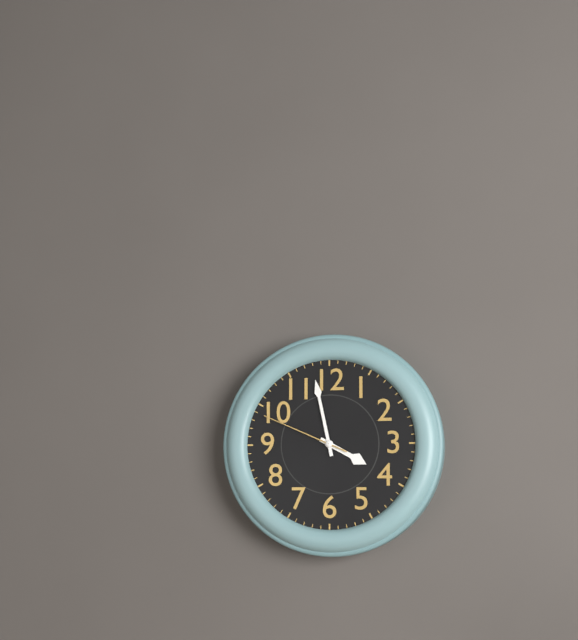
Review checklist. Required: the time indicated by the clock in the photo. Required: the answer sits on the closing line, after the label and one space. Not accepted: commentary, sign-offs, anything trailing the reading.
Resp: 3:58:49
